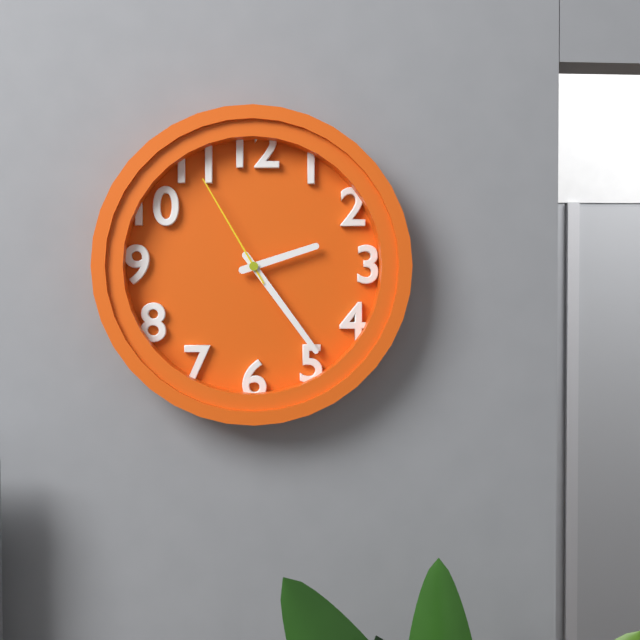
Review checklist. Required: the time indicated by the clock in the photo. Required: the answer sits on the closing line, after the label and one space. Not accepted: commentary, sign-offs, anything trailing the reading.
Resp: 2:24:55
